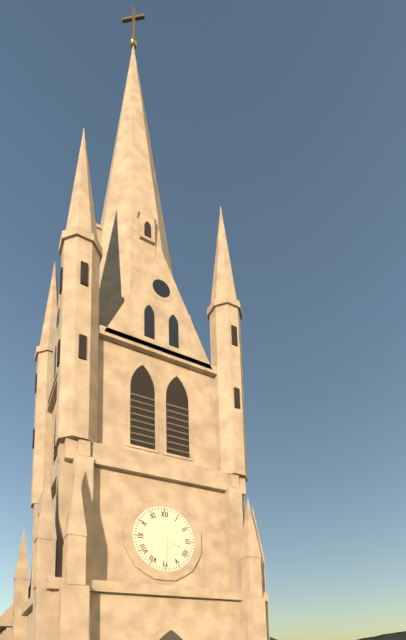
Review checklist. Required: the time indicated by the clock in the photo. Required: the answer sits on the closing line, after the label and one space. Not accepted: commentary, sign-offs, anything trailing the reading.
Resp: 3:30
